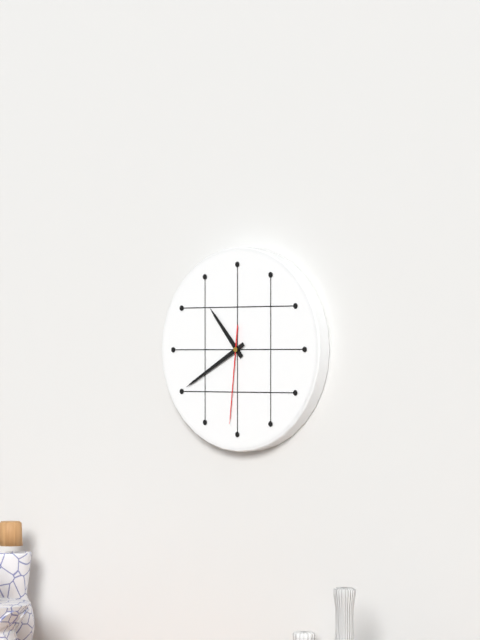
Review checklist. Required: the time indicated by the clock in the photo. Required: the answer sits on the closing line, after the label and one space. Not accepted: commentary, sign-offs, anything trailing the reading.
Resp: 10:40:31
